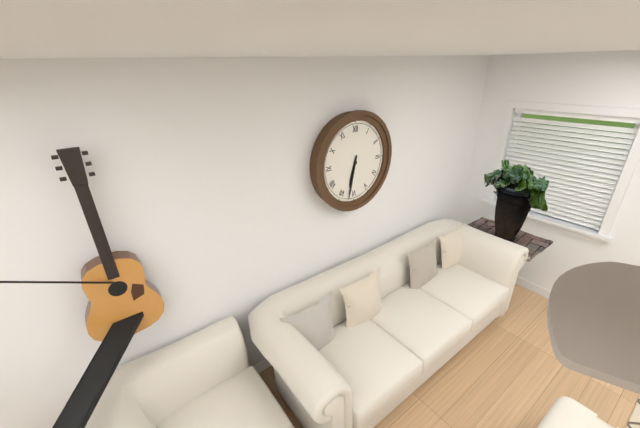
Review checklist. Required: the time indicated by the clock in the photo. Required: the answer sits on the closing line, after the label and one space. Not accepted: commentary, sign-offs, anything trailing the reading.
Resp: 6:32
